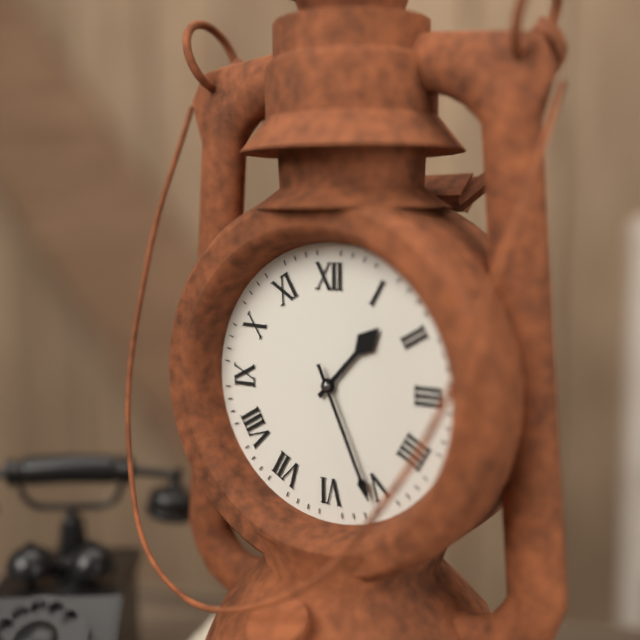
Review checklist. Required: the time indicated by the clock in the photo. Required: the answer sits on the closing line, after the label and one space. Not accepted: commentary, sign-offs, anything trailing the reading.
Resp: 1:26
